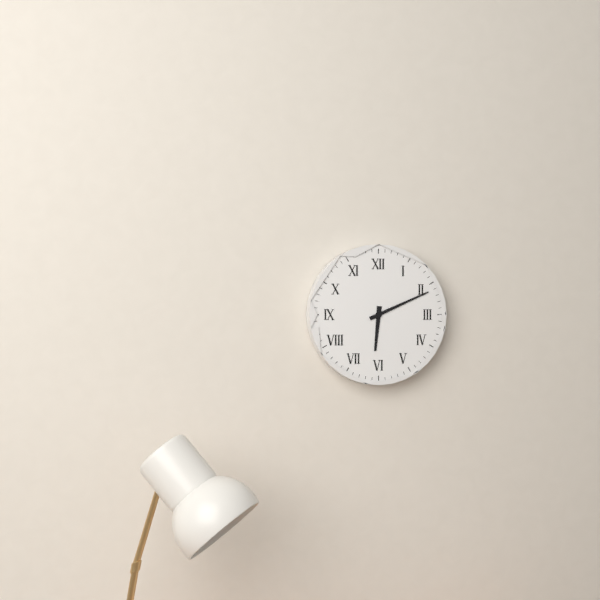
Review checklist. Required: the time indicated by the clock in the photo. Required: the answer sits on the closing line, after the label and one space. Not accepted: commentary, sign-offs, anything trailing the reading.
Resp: 6:11
